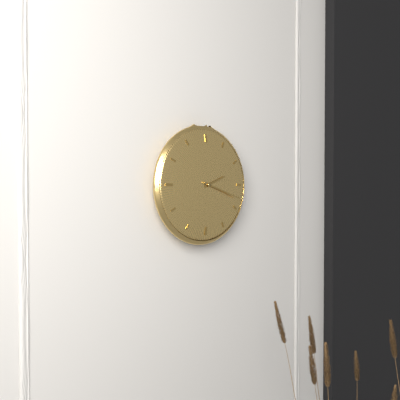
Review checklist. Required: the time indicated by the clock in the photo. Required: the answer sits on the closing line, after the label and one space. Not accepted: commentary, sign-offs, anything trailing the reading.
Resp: 2:18
